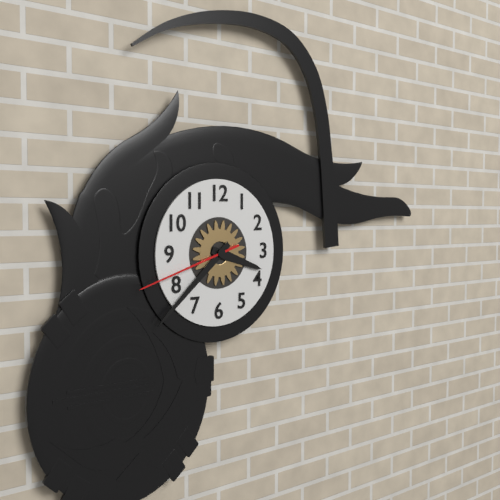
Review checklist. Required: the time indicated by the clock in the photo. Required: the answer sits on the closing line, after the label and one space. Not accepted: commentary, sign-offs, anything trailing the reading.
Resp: 3:38:42
